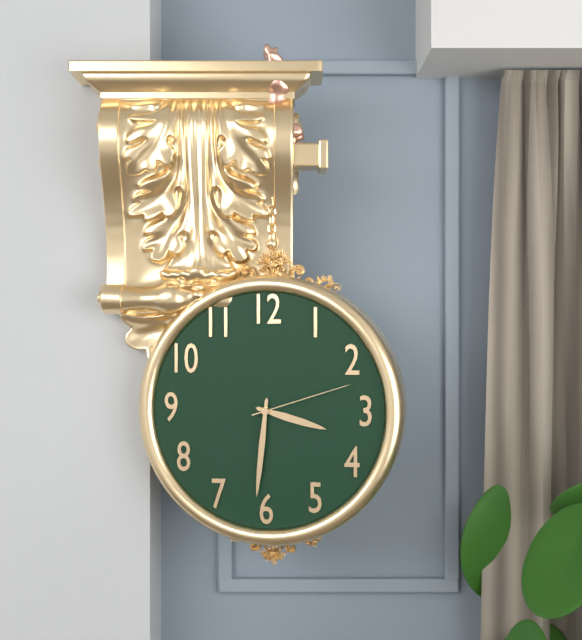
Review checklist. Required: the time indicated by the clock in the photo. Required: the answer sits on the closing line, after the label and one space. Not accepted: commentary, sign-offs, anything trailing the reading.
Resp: 3:31:12
